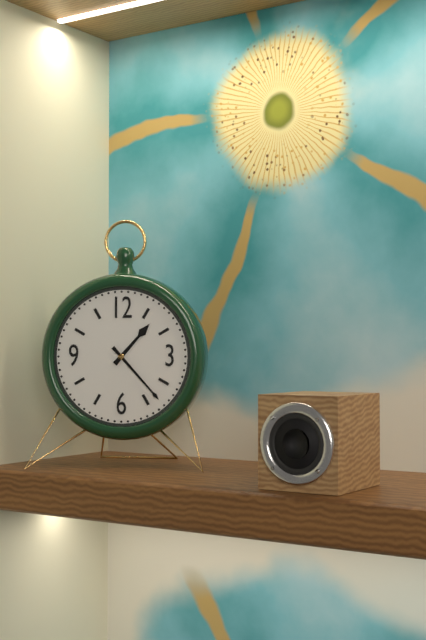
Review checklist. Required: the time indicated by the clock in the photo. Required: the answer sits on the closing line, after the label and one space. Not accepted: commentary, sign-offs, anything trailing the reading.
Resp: 1:23
